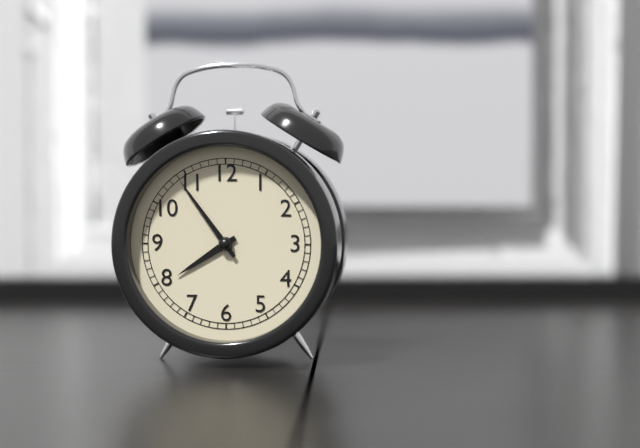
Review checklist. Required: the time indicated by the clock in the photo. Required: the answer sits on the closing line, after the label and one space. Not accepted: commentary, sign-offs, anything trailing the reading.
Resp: 7:54
